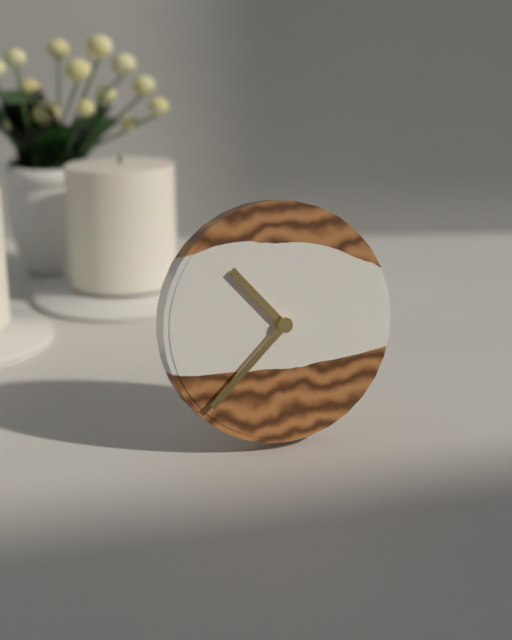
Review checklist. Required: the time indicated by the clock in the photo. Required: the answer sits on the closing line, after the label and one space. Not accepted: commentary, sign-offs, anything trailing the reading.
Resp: 10:38
